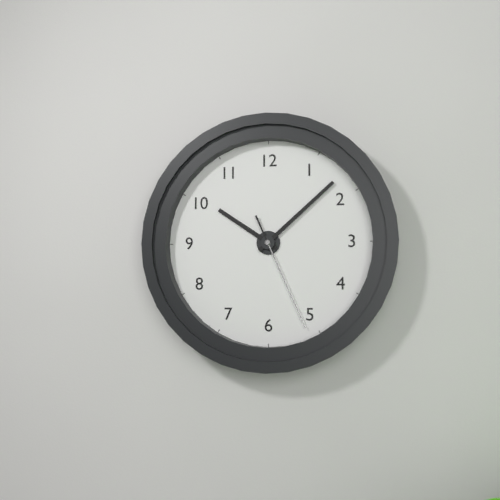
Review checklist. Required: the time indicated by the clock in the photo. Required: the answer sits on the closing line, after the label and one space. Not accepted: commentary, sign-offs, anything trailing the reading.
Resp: 10:08:26
